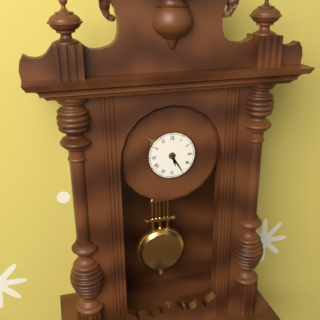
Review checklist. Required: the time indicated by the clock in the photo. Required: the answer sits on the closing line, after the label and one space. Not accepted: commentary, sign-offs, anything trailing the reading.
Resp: 5:25
